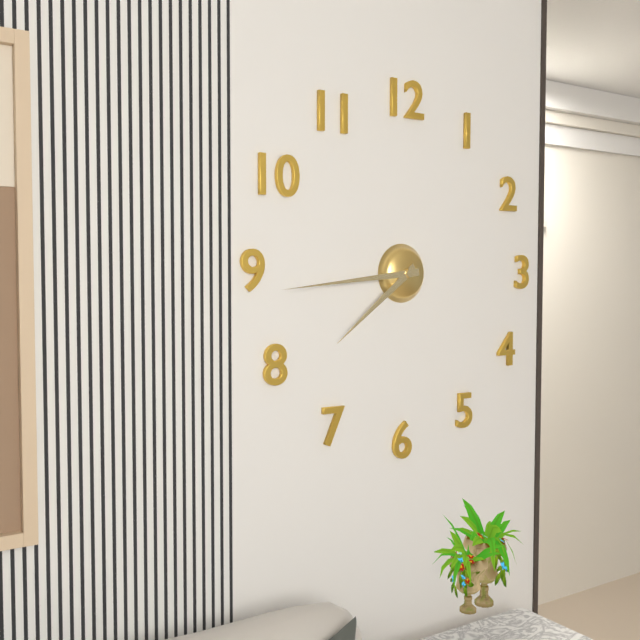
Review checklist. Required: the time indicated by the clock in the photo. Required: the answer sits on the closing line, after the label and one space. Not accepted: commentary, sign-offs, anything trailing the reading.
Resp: 7:44
